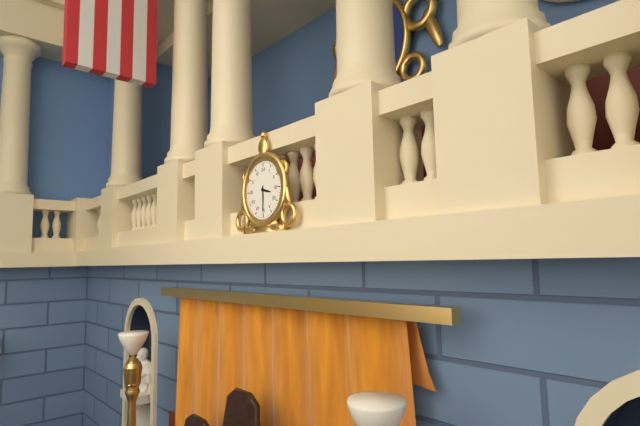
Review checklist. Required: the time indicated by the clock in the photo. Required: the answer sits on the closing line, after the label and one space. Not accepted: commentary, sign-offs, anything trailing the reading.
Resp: 3:30
